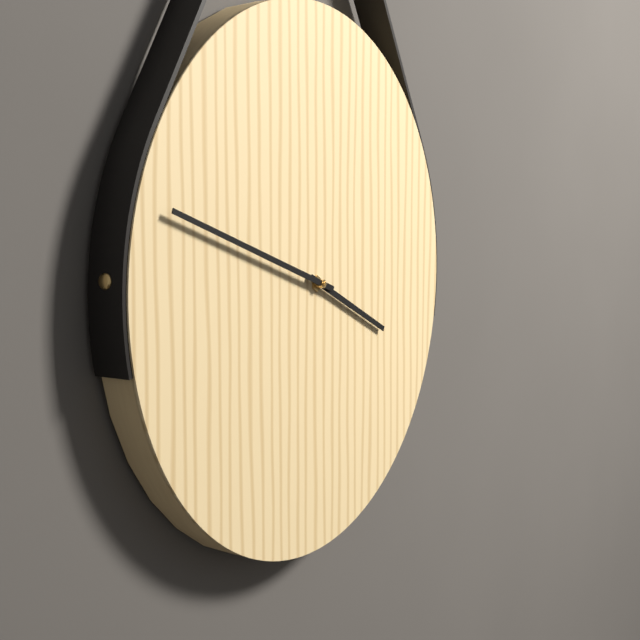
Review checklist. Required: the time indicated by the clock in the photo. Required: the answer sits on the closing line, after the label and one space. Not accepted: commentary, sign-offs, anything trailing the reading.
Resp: 3:48
